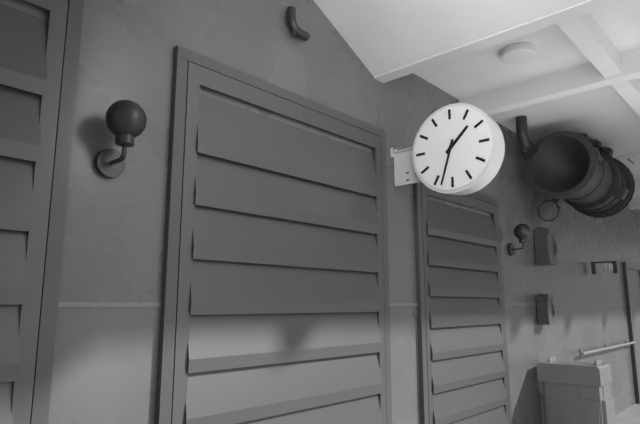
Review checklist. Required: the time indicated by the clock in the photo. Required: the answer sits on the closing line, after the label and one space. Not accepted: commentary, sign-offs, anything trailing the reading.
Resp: 1:33
